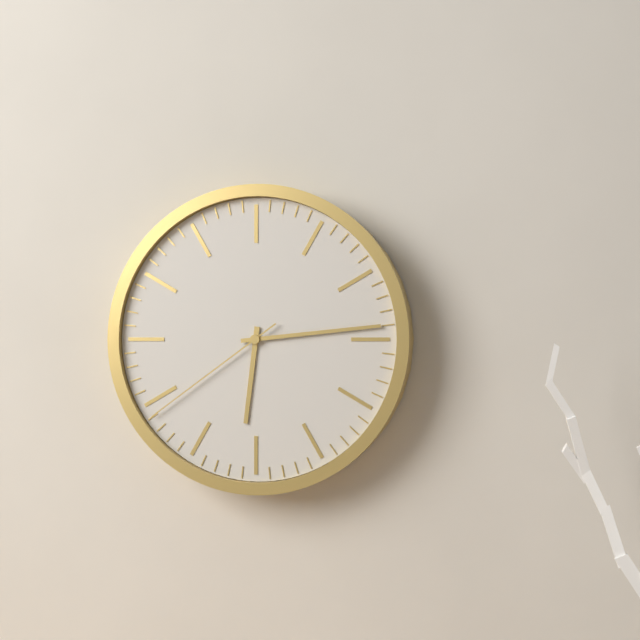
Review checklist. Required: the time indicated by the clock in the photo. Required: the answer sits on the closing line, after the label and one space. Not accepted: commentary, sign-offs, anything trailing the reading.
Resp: 6:14:39
